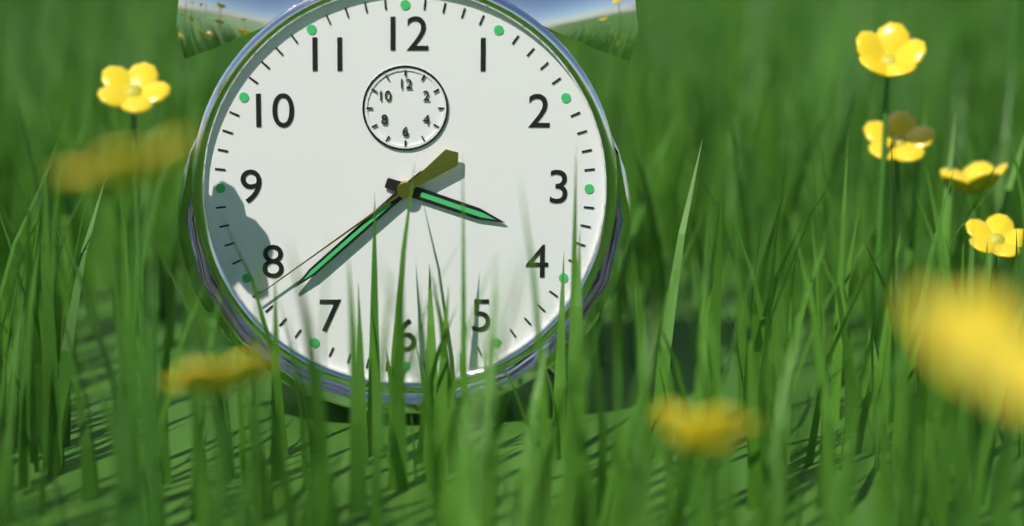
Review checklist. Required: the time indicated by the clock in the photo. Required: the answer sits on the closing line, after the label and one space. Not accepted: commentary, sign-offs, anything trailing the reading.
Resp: 3:38:39
